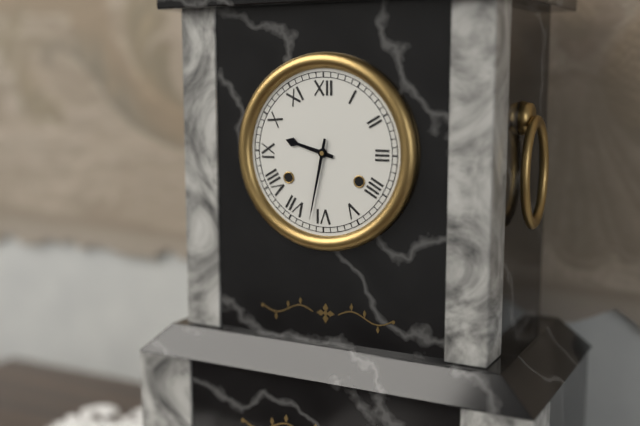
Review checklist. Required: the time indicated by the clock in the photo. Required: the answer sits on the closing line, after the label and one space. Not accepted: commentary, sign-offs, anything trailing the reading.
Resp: 9:32
